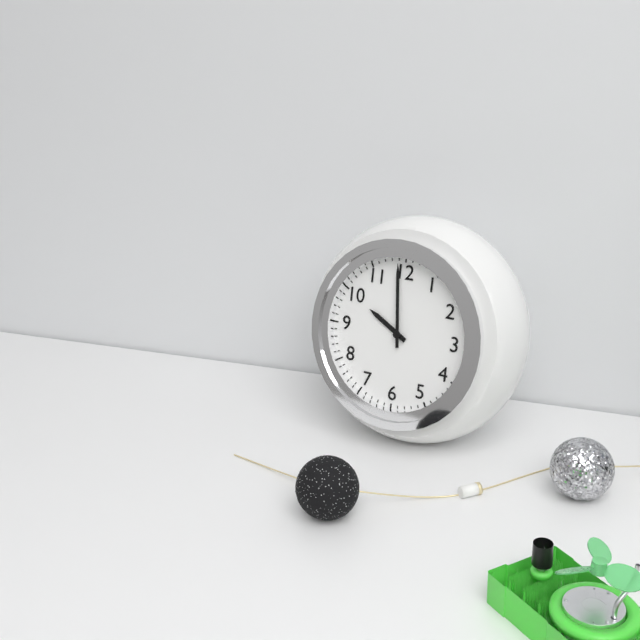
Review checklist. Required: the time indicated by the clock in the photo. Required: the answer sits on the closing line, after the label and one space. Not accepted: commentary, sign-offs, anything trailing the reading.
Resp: 9:59
